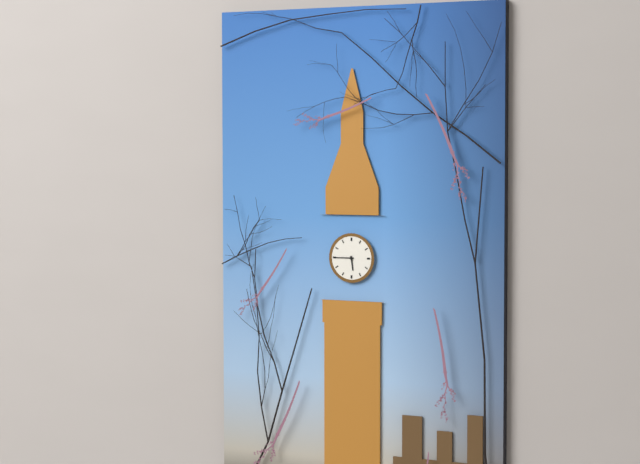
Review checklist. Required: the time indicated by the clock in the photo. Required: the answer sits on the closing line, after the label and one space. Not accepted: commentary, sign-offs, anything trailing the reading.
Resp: 5:45
